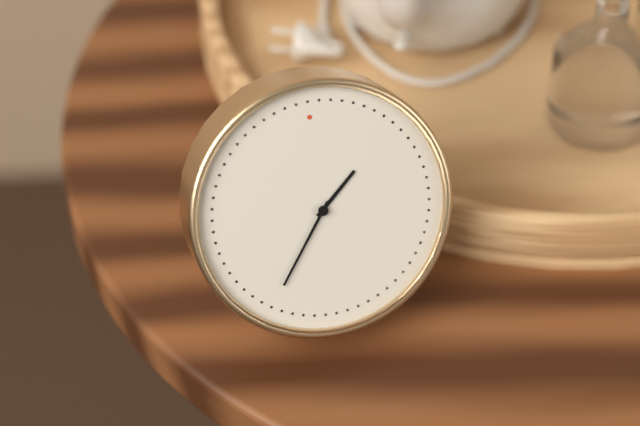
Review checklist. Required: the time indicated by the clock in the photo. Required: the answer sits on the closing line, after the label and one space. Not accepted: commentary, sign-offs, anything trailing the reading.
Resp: 1:36
